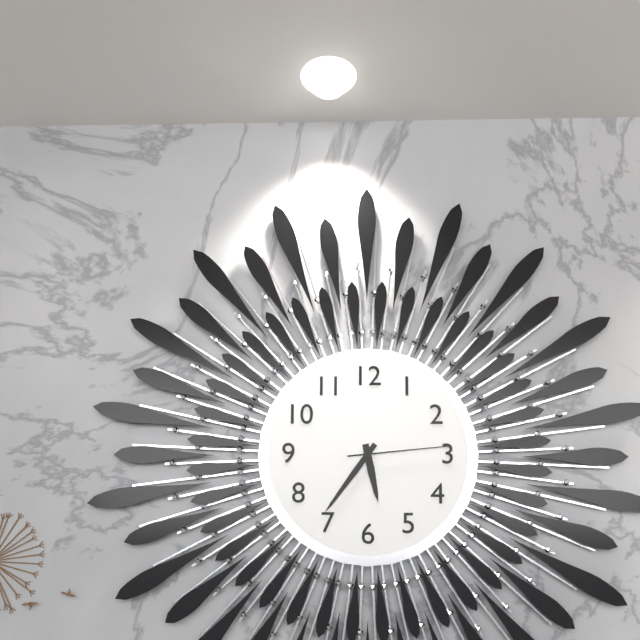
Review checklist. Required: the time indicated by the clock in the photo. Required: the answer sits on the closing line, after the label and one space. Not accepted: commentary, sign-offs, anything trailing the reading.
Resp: 5:36:14
